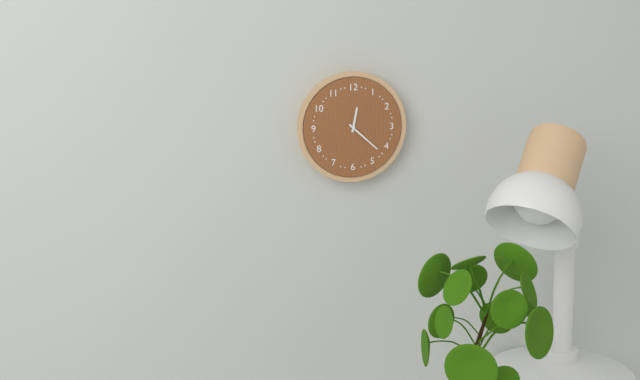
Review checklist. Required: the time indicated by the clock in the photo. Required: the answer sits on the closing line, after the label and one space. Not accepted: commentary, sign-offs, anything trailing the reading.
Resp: 12:22
